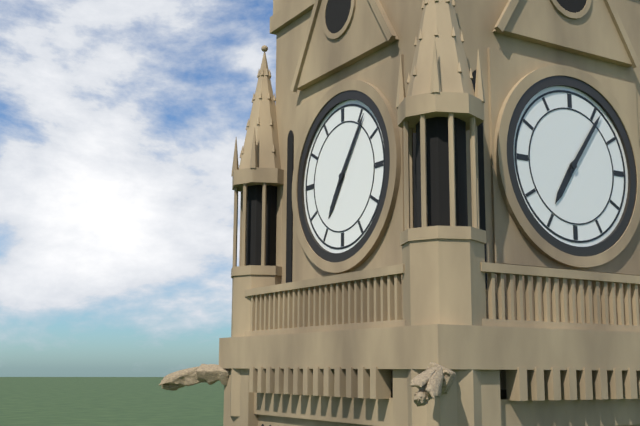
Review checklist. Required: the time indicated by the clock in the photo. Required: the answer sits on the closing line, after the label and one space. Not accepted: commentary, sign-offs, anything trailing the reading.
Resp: 7:06
